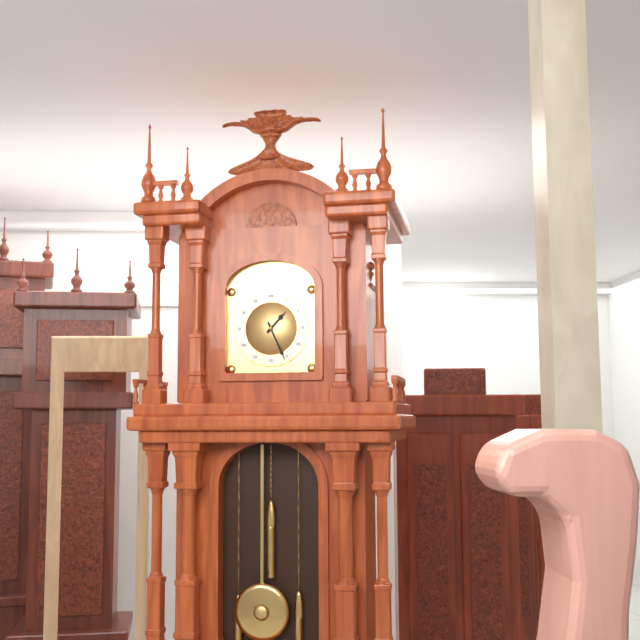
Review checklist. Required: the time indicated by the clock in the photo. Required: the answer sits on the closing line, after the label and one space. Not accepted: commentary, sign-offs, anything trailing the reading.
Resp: 1:26
